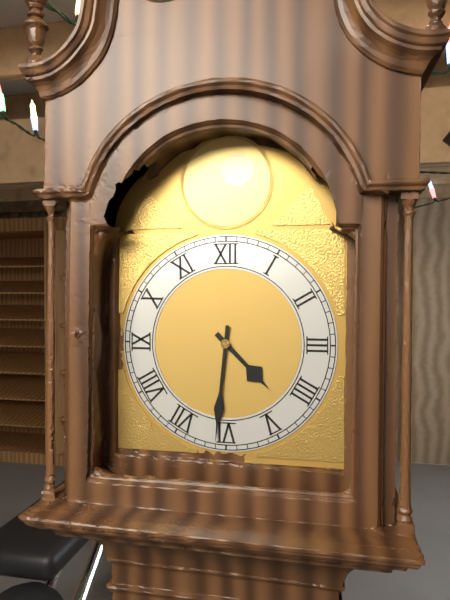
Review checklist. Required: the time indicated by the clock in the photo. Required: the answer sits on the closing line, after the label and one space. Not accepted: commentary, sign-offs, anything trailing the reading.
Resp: 4:31
